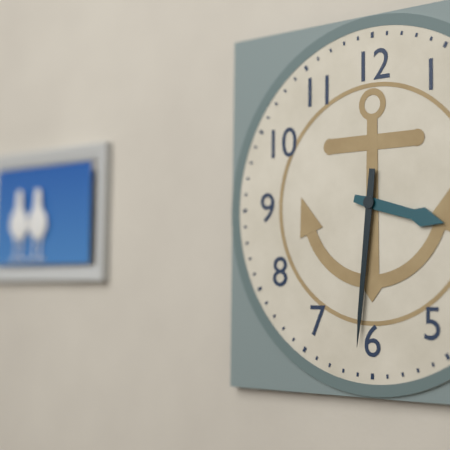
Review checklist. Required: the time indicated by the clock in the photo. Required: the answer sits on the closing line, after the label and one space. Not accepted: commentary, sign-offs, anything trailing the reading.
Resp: 3:31
